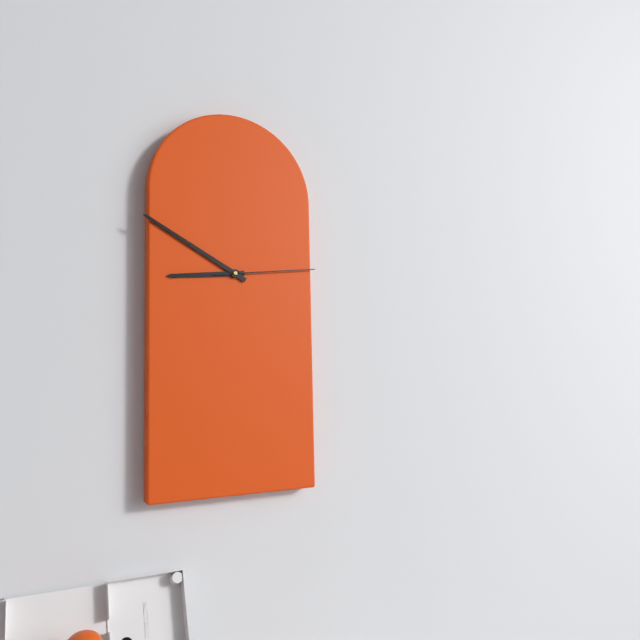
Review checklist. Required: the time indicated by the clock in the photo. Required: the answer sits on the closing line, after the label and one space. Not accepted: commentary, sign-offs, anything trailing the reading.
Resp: 8:50:14
